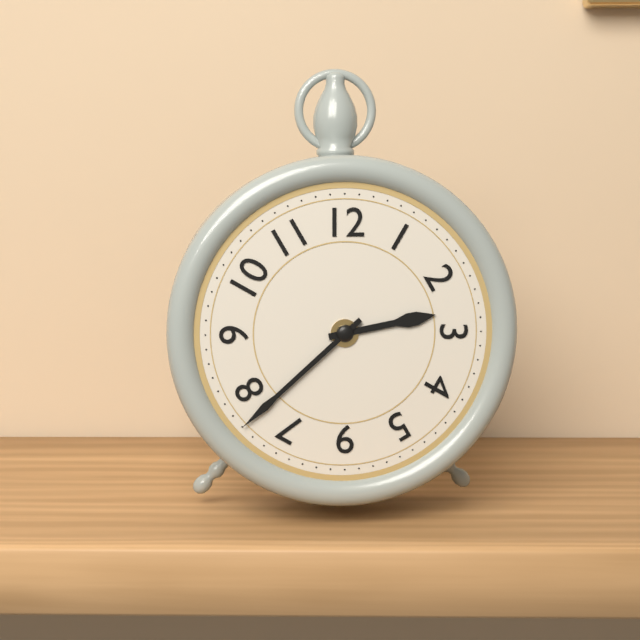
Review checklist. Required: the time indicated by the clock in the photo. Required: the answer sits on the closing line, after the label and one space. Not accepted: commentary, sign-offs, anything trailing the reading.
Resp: 2:38
